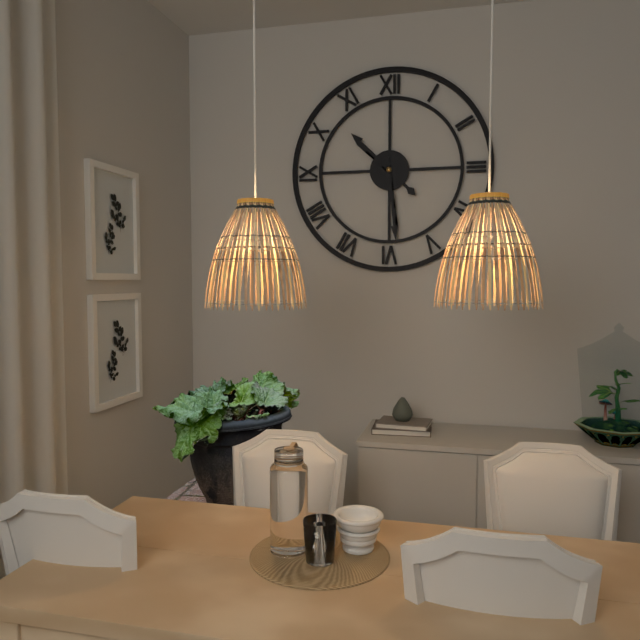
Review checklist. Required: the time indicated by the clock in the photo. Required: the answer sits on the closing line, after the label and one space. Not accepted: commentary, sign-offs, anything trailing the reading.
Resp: 10:29
